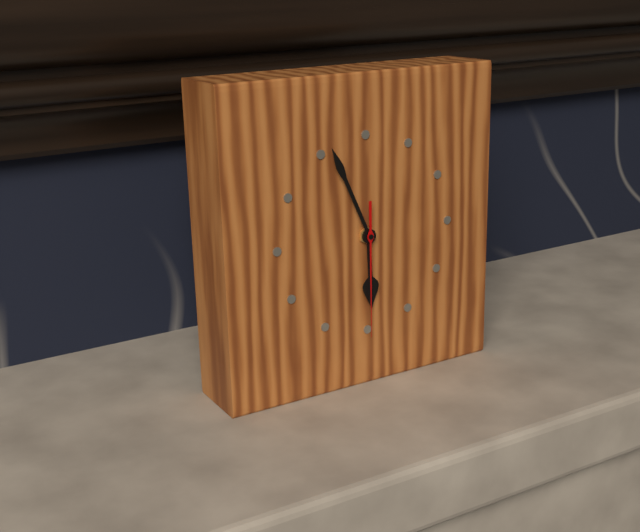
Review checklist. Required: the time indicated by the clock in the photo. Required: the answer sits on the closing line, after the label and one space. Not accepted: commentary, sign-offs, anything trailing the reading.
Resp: 5:56:30
